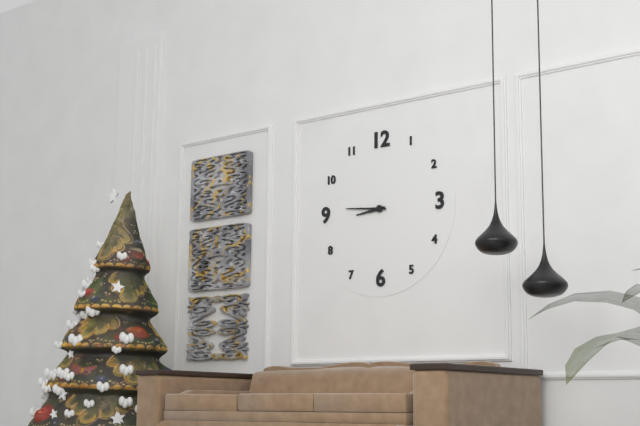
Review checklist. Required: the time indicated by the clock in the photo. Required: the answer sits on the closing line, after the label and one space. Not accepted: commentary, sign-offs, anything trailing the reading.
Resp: 8:46
